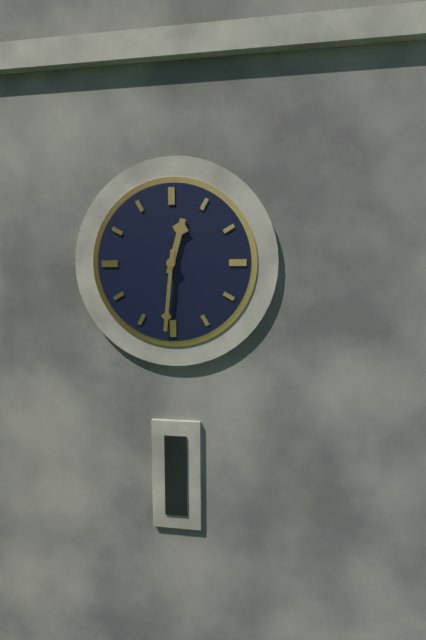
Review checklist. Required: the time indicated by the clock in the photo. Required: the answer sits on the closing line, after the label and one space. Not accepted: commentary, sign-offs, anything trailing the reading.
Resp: 12:31
